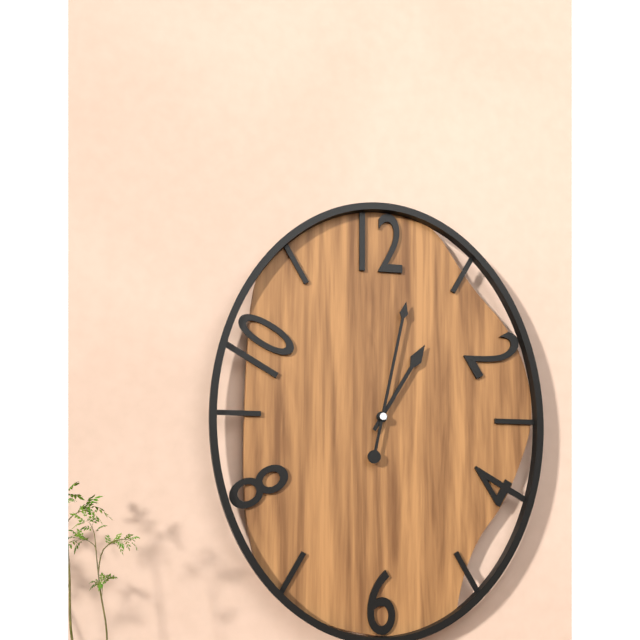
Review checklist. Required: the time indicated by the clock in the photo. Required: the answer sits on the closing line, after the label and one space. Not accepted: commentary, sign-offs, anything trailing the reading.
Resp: 1:02
